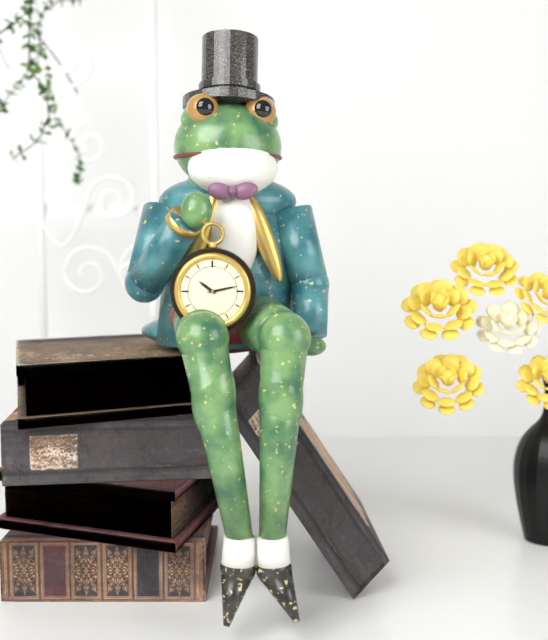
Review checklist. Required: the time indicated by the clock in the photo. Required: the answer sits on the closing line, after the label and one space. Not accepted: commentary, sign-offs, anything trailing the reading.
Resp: 10:13
